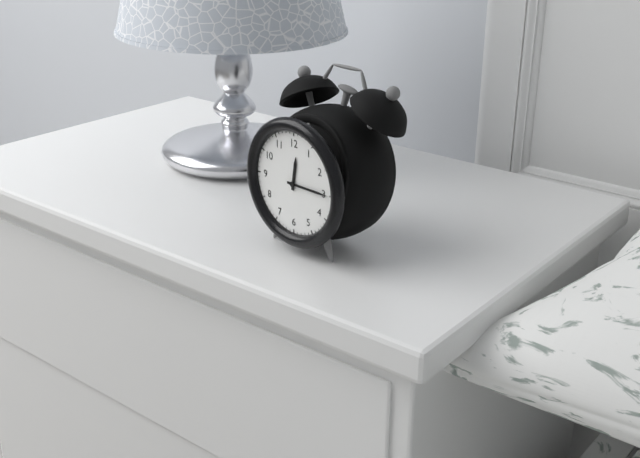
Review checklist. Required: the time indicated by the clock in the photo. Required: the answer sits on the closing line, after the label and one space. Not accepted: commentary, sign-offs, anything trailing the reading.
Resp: 12:15
